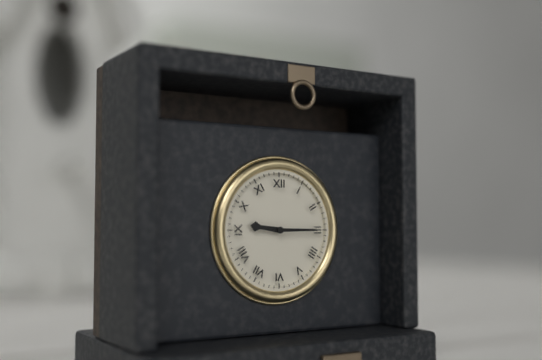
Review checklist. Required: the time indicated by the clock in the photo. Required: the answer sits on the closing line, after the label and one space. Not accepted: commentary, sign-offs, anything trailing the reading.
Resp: 9:15
